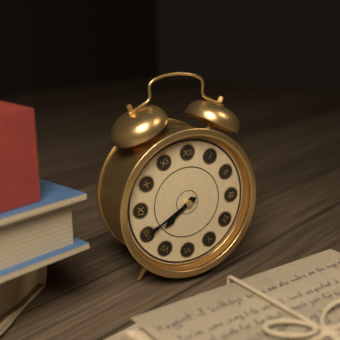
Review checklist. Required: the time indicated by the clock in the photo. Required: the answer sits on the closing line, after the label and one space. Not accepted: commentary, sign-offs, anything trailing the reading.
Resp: 7:40
